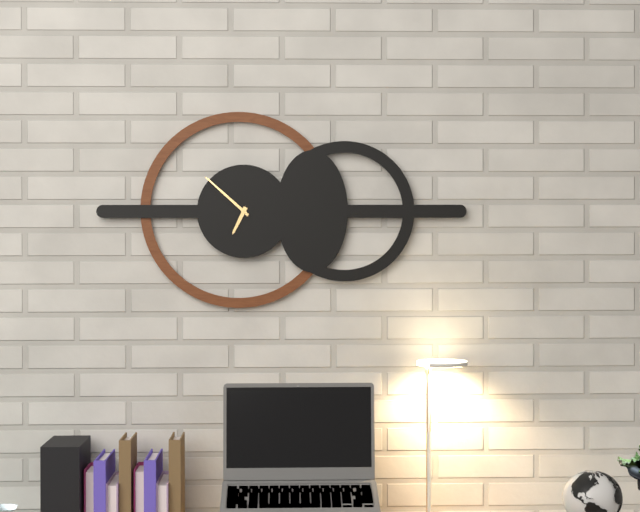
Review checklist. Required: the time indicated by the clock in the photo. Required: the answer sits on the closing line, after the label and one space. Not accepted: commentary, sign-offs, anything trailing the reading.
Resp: 6:52
